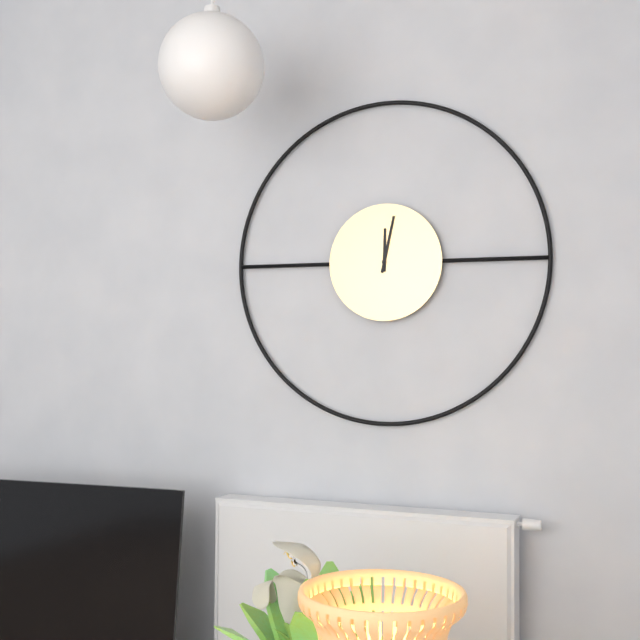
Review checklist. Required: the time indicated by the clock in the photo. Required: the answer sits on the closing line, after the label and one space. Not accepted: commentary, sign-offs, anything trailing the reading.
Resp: 12:02
